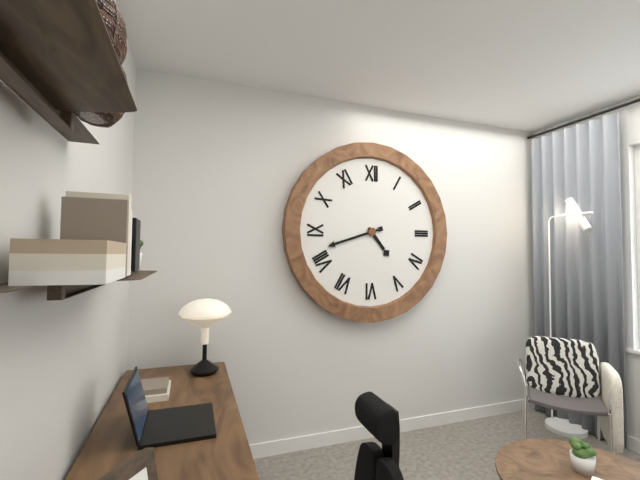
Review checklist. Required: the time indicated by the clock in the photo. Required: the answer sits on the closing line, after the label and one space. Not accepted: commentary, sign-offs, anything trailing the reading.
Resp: 4:42
